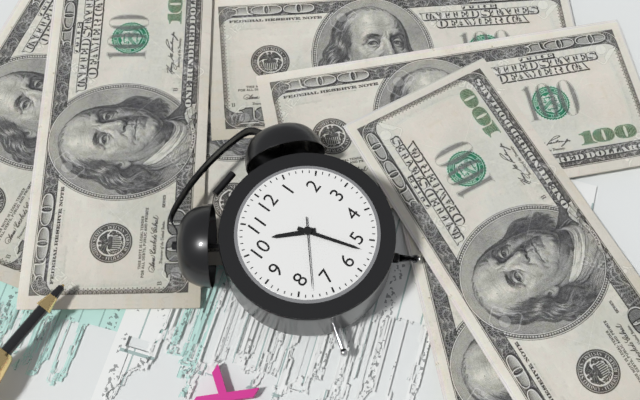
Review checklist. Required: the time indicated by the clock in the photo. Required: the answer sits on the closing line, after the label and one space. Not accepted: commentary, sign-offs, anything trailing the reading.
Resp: 10:27:38
